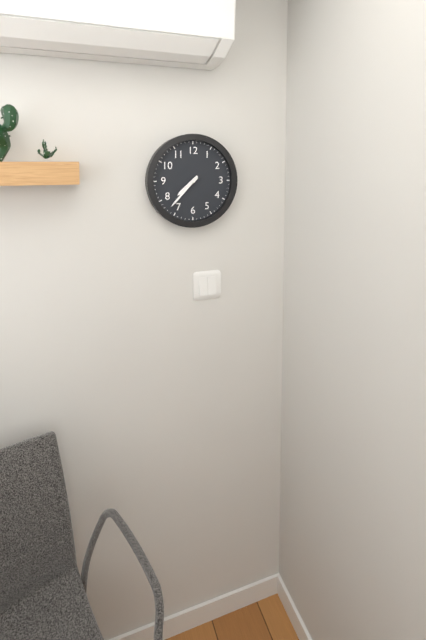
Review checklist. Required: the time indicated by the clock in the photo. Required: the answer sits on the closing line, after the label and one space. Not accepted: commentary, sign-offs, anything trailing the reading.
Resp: 7:37
